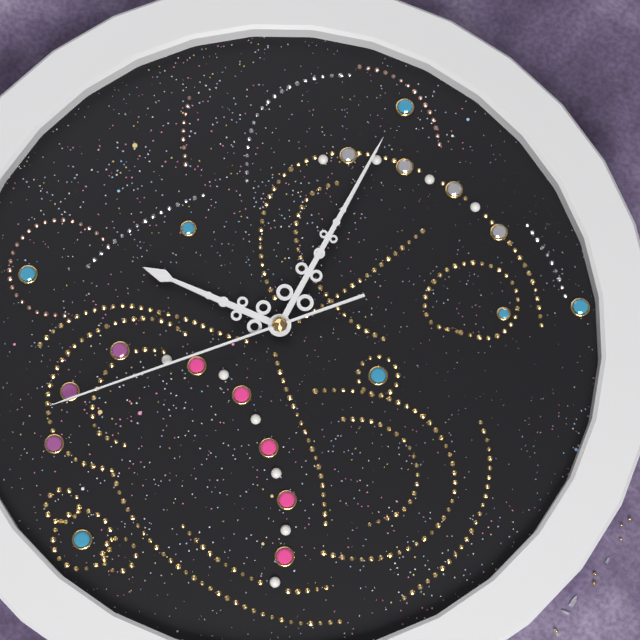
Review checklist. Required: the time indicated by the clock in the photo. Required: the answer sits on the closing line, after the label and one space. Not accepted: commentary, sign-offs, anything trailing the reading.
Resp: 2:28:05
